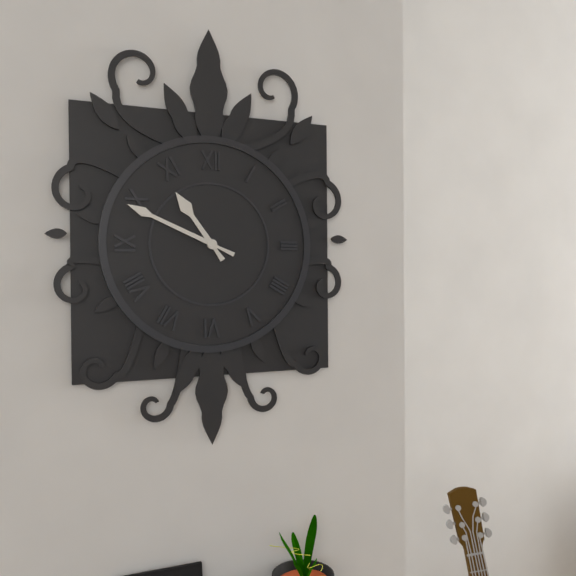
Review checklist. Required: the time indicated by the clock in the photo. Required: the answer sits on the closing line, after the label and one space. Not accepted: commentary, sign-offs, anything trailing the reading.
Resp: 10:49
